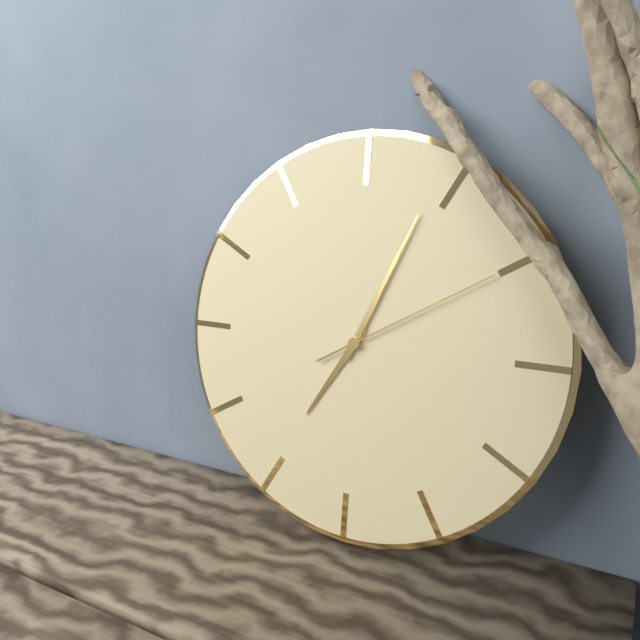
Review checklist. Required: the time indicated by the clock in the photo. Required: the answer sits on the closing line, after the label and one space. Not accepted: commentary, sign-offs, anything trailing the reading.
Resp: 7:04:10
